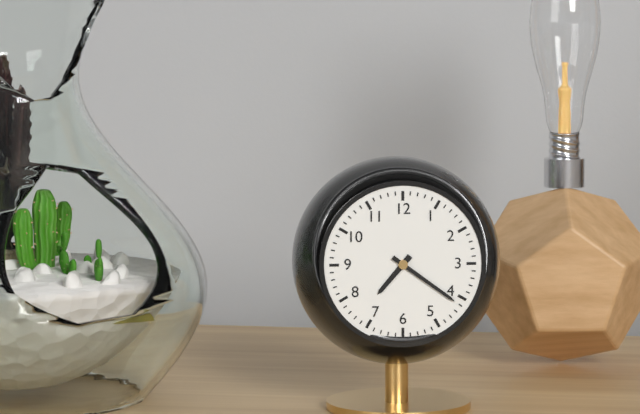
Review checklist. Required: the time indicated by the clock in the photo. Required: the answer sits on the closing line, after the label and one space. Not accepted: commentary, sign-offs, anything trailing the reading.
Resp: 7:21
